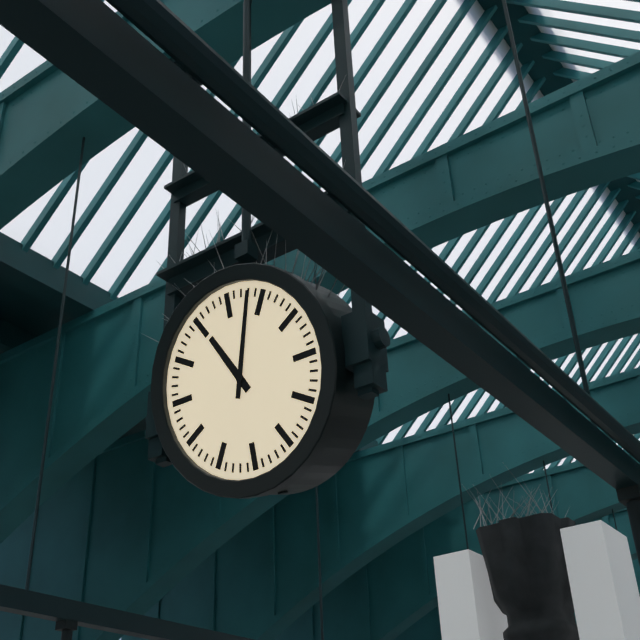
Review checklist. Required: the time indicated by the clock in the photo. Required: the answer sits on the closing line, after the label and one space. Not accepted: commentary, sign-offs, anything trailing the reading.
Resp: 11:03
